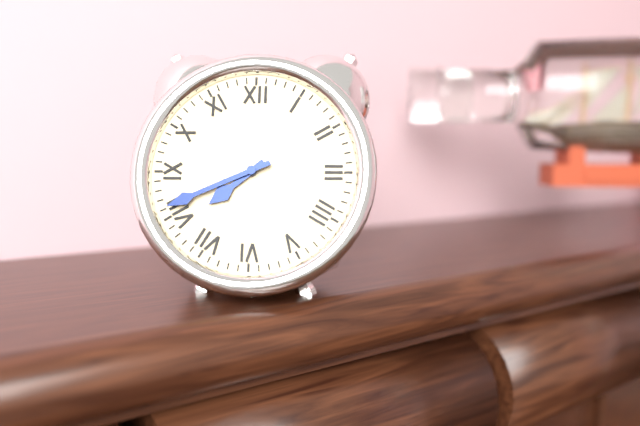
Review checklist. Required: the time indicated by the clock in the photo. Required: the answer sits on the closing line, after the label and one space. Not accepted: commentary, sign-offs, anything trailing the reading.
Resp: 7:41
